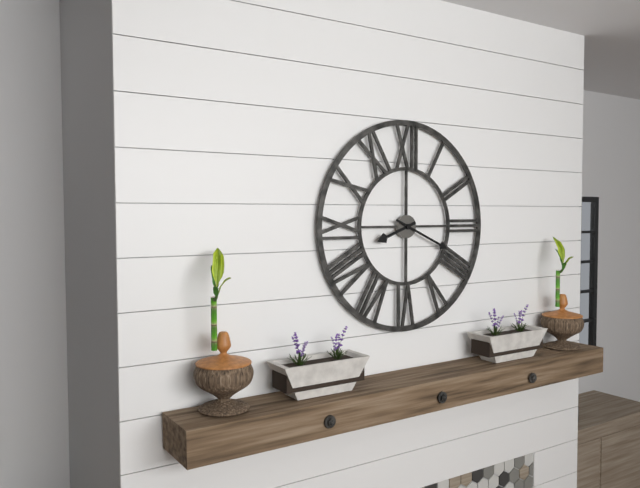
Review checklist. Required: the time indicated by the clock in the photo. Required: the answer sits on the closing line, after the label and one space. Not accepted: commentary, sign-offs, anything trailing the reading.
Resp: 8:19
